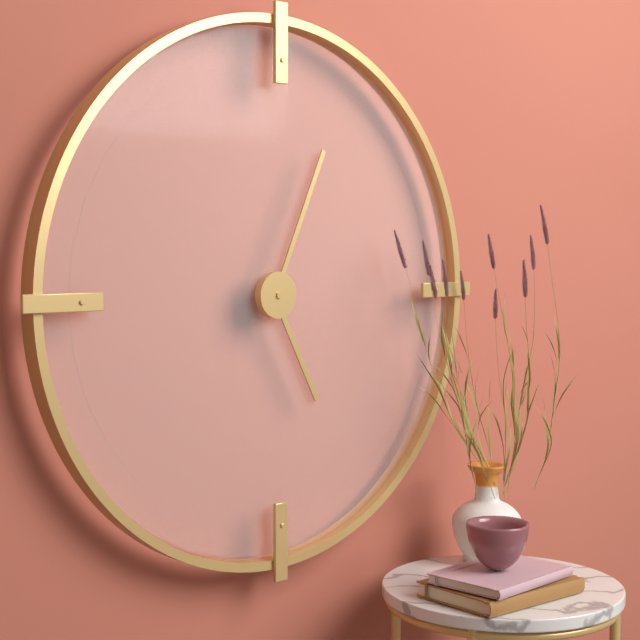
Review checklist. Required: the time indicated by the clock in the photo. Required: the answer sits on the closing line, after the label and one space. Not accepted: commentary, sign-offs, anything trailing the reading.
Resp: 5:04
